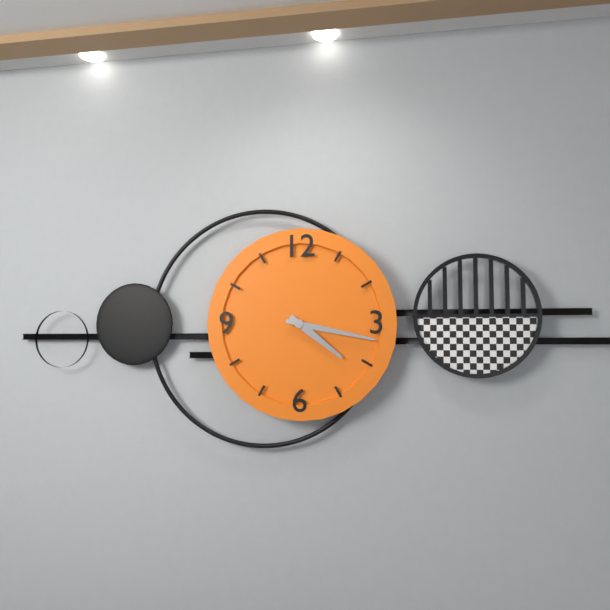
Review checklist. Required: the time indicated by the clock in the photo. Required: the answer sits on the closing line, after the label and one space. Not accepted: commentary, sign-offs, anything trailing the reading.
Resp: 4:17
